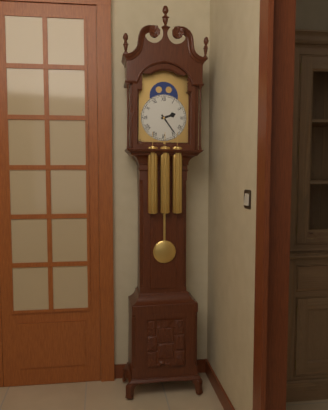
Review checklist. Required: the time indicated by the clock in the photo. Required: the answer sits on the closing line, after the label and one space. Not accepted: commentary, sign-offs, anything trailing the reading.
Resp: 2:24
